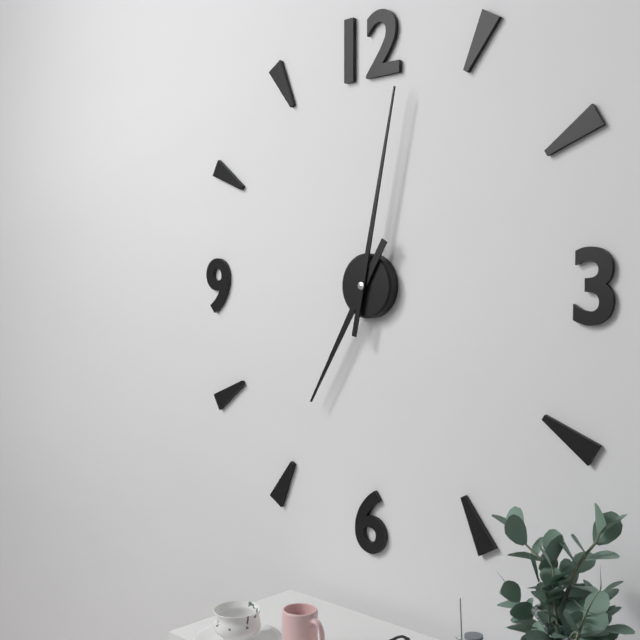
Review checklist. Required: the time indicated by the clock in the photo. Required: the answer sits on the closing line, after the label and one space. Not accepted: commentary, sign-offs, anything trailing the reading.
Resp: 7:02
